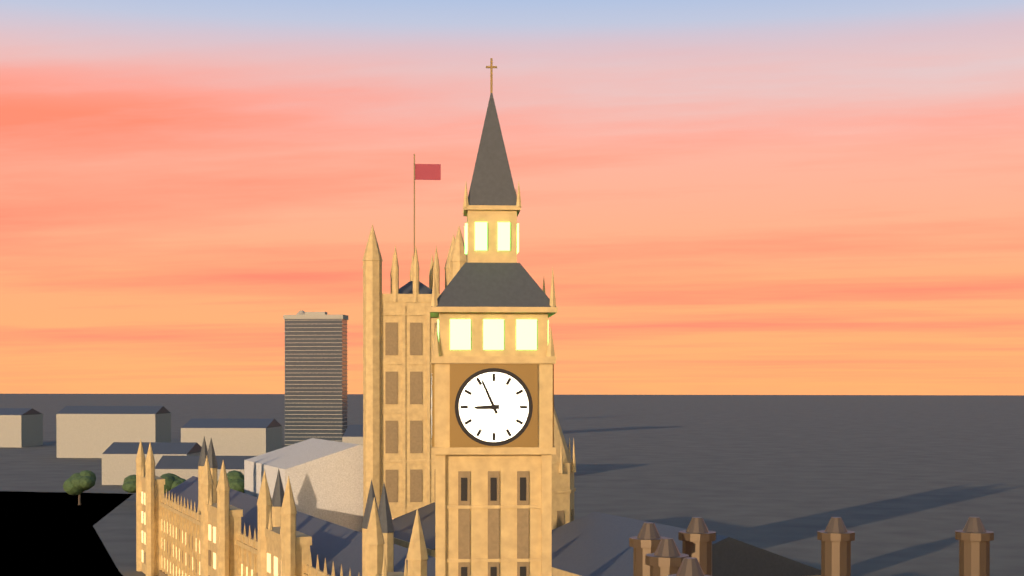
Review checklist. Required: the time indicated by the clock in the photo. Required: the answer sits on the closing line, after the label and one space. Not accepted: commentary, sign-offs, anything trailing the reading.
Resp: 8:56
